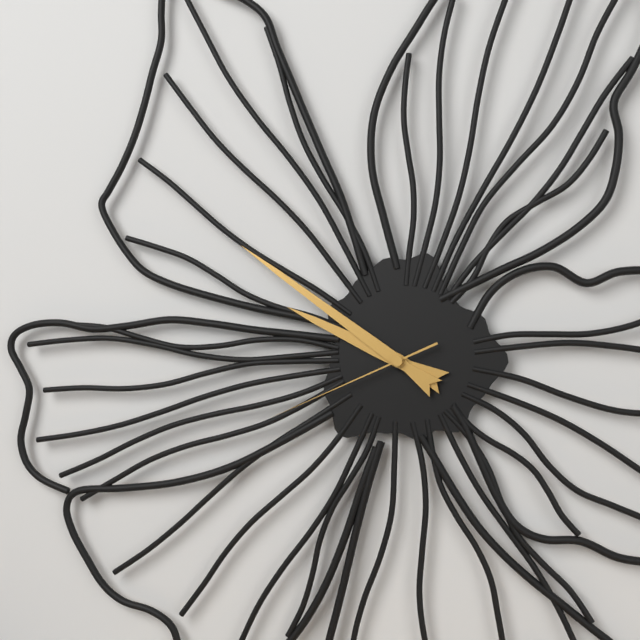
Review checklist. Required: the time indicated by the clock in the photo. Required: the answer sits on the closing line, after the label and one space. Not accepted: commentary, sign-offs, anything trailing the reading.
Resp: 9:51:41
